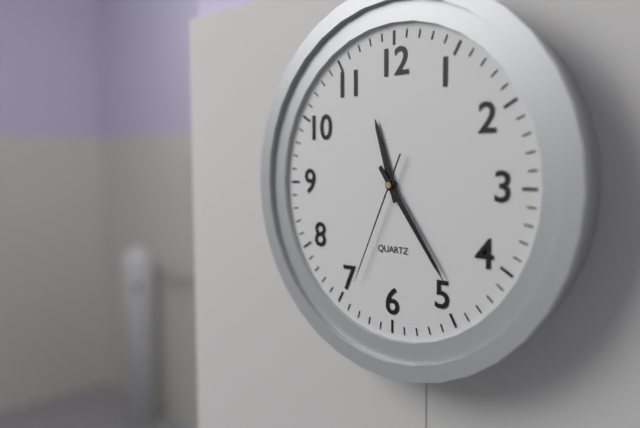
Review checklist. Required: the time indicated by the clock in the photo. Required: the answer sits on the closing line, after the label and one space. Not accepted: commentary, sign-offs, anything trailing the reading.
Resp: 11:24:34
